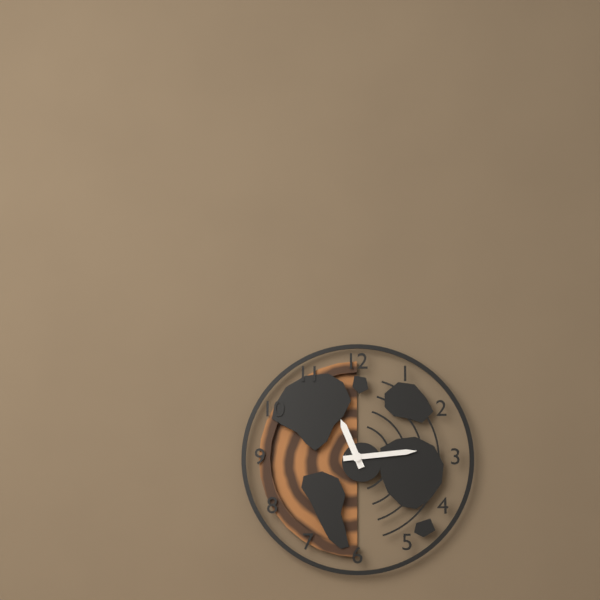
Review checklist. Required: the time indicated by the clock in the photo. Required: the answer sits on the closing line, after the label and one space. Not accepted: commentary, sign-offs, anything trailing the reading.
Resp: 11:14
